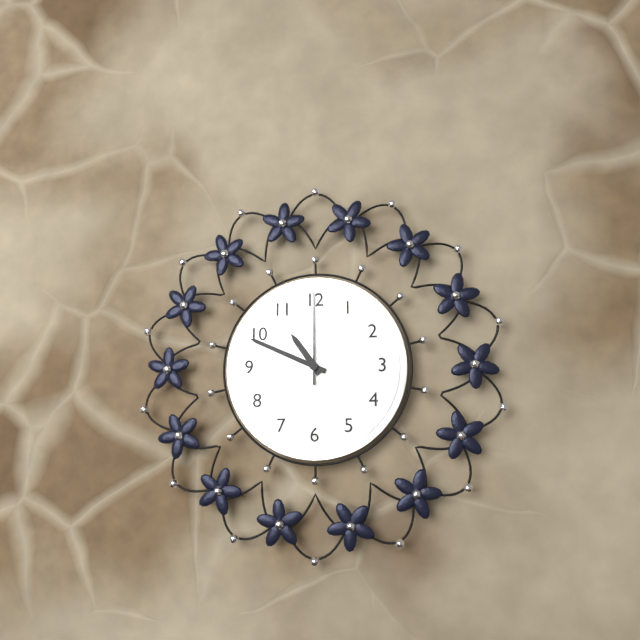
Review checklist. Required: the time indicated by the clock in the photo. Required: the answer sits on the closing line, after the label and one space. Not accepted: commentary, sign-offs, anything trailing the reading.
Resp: 10:49:00
